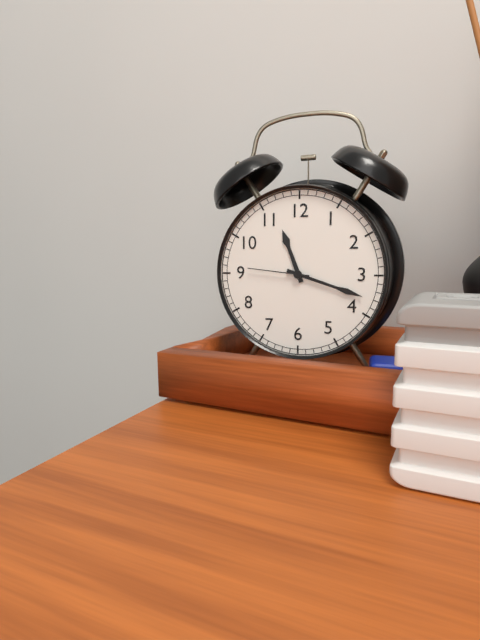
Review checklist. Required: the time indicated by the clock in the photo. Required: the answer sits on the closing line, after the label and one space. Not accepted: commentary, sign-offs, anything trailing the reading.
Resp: 11:18:46
